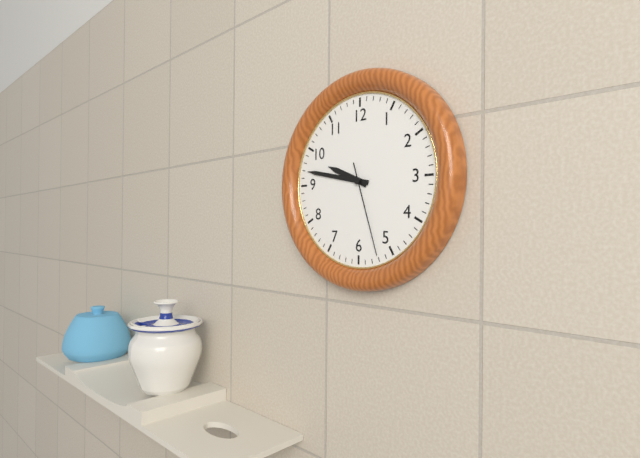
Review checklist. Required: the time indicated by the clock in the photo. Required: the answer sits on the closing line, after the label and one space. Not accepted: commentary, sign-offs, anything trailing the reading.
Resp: 9:47:27
